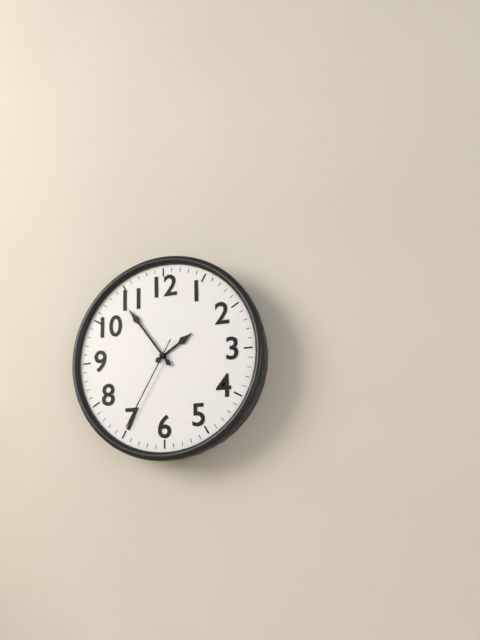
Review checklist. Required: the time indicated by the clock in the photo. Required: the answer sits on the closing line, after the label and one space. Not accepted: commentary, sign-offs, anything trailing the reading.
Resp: 1:54:35
